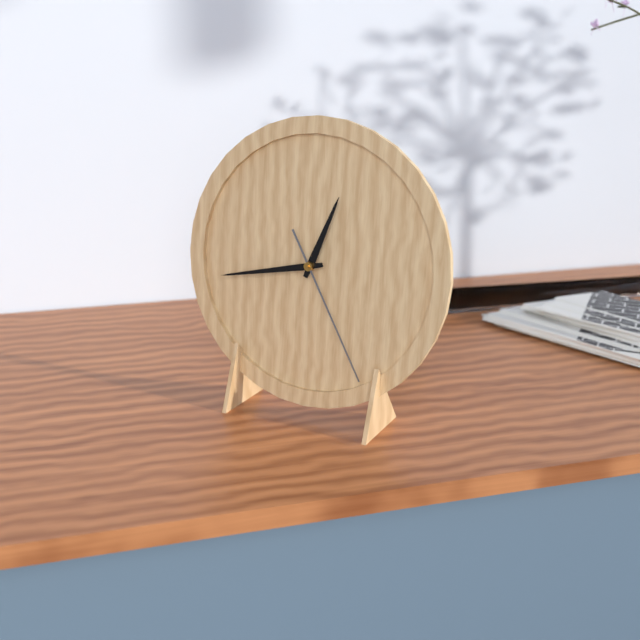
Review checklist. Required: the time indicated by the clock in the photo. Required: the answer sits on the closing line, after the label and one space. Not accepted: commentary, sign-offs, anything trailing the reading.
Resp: 12:43:25
